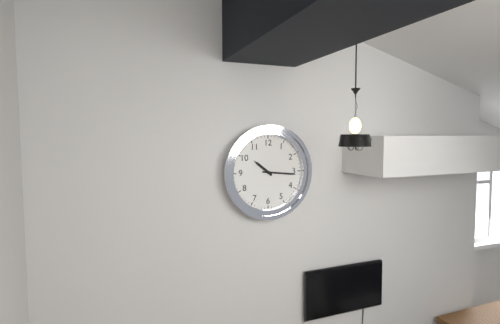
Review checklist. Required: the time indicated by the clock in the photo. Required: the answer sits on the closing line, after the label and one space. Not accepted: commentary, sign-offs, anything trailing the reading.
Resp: 10:16
